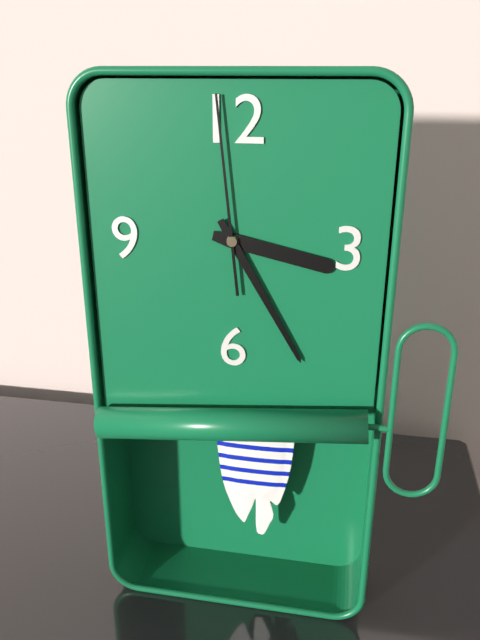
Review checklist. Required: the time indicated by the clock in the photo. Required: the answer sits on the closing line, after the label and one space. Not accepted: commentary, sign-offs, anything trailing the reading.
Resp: 3:25:59
